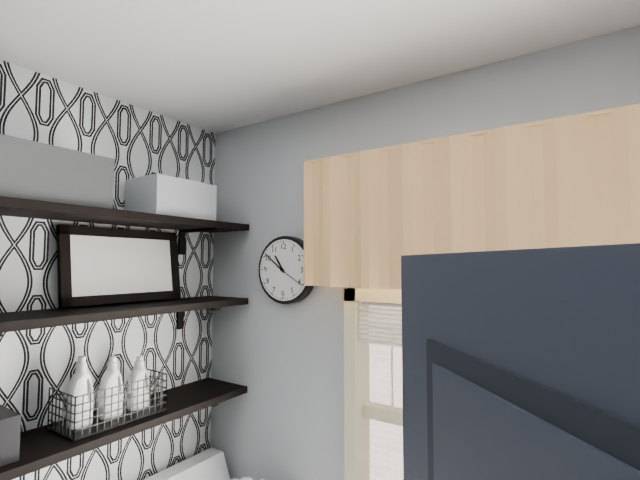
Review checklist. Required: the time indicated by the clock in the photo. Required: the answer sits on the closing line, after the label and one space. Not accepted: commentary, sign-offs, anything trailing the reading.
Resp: 10:51
